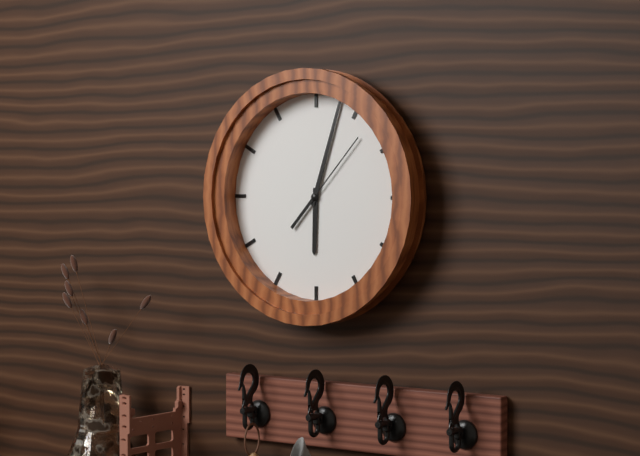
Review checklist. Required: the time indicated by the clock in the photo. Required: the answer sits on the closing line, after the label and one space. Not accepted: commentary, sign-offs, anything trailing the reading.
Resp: 6:03:07
